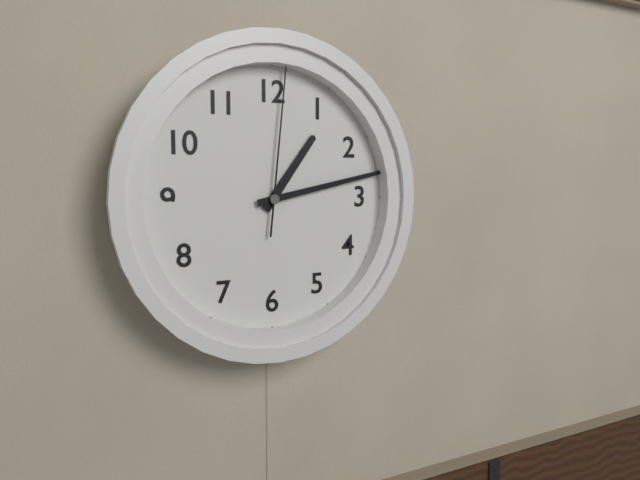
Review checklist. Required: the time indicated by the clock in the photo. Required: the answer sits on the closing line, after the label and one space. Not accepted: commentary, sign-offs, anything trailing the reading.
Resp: 1:13:01
